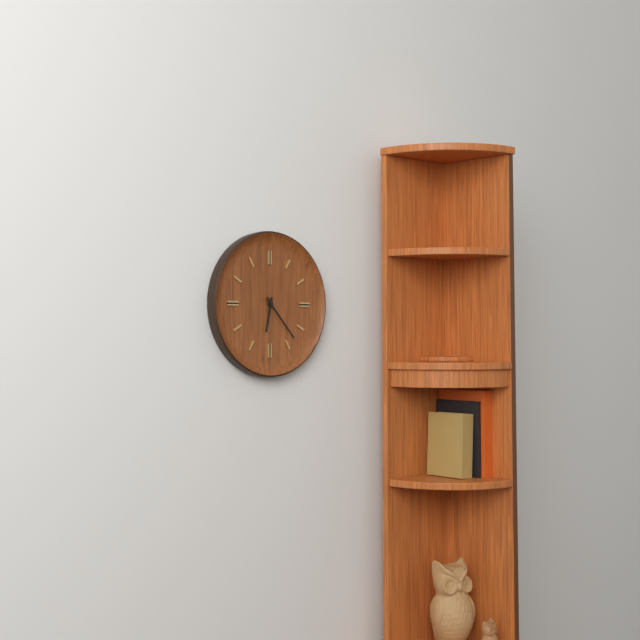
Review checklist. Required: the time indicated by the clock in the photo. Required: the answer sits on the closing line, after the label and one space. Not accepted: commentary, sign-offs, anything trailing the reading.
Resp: 6:23
